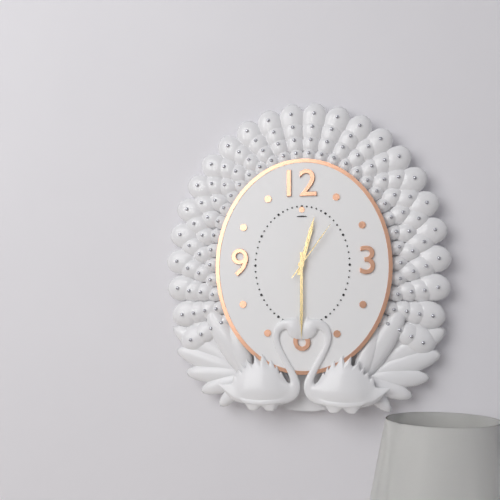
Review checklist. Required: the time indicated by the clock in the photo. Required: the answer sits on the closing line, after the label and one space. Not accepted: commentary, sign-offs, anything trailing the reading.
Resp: 12:30:06
